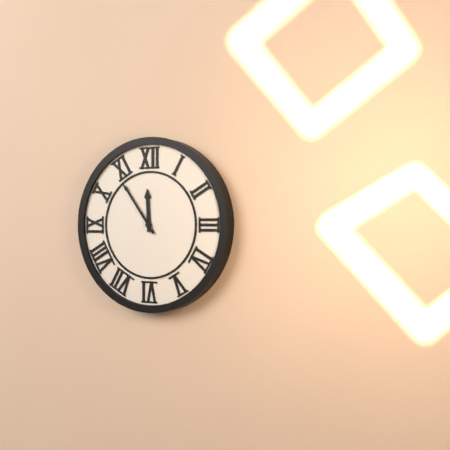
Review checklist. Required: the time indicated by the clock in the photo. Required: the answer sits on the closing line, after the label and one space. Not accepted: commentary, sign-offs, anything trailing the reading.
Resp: 11:54
